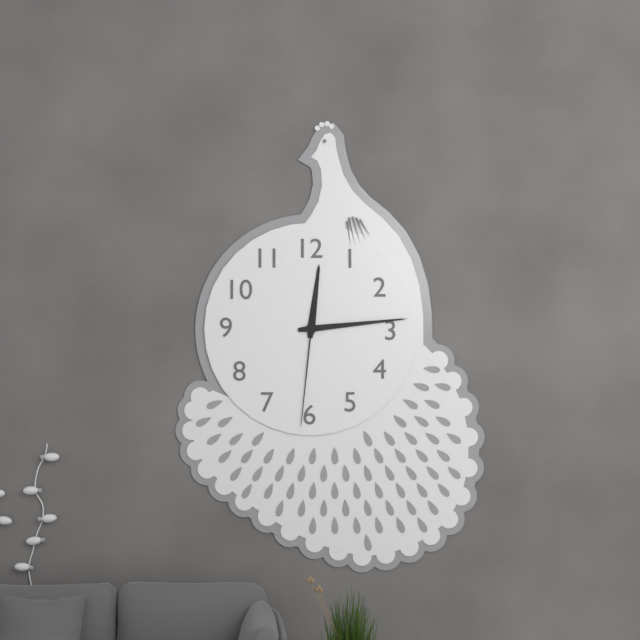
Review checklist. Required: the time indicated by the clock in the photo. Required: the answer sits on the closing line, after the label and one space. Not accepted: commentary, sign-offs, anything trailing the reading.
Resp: 12:14:31
